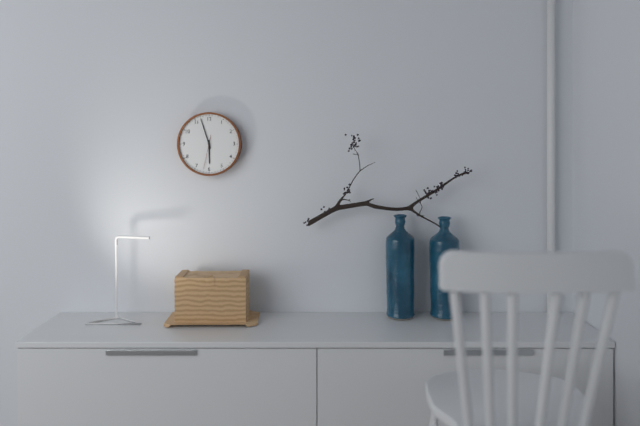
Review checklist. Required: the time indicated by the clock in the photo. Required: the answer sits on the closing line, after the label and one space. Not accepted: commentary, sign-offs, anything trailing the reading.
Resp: 5:57
